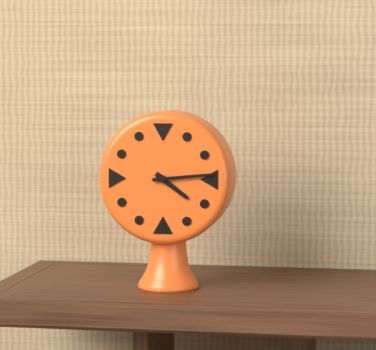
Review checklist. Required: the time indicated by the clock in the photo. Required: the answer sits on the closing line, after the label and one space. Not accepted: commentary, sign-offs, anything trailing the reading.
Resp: 4:14
